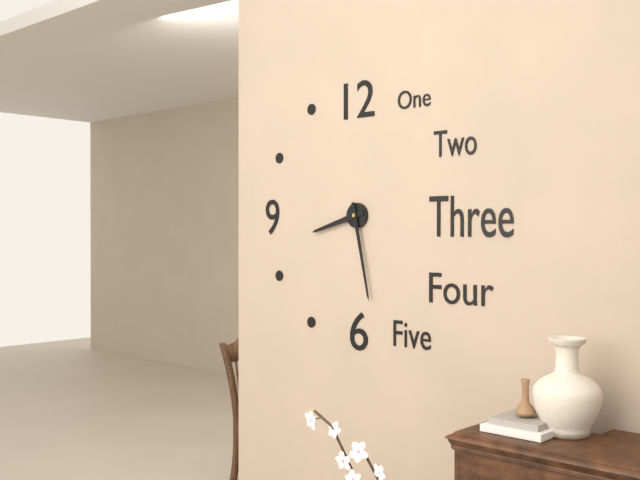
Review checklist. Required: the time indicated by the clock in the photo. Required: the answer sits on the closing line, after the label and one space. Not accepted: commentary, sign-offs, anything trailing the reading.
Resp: 8:28
